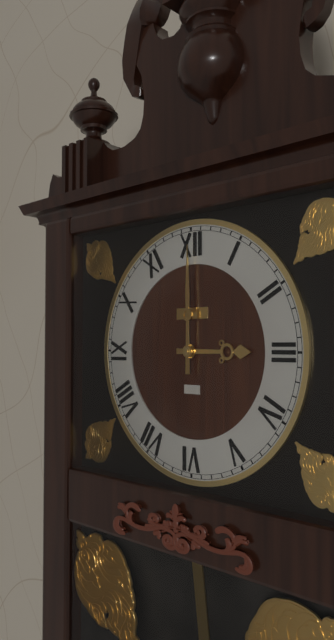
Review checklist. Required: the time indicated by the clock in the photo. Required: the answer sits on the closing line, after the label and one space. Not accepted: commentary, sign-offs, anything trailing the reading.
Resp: 3:00
